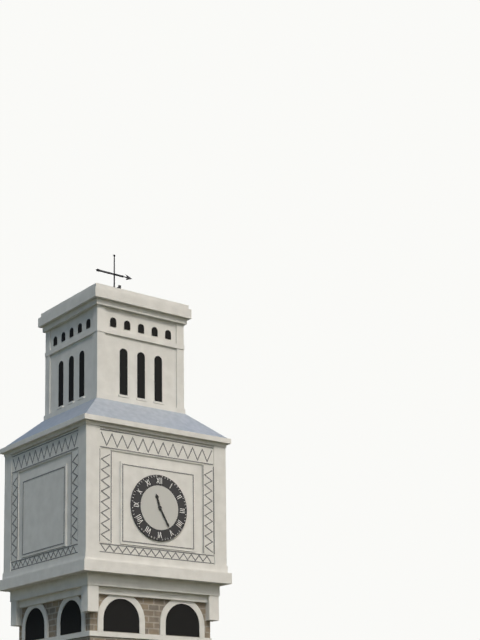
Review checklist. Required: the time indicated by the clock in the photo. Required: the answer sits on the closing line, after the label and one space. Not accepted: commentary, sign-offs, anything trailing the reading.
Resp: 11:25
